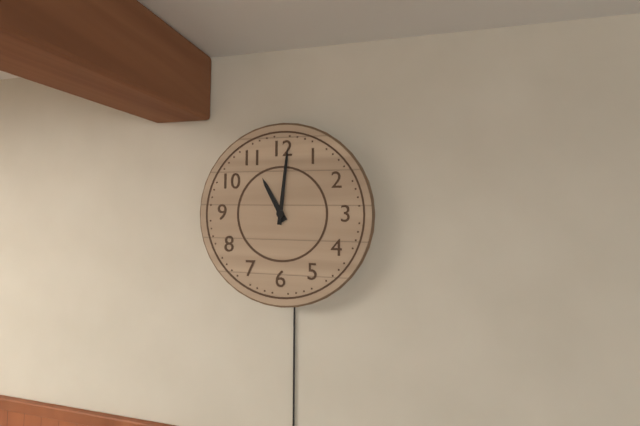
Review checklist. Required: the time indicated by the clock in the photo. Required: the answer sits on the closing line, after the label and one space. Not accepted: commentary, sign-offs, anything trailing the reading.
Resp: 11:01
